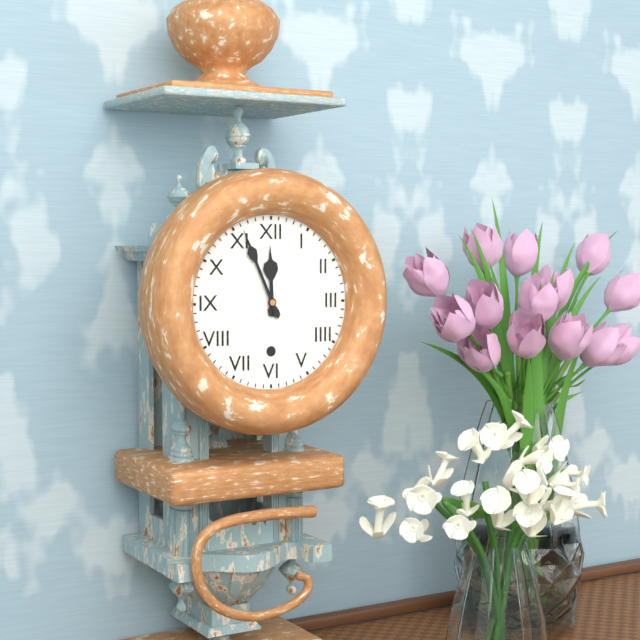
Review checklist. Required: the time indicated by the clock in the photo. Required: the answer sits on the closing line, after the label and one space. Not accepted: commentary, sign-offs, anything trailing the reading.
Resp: 11:56
